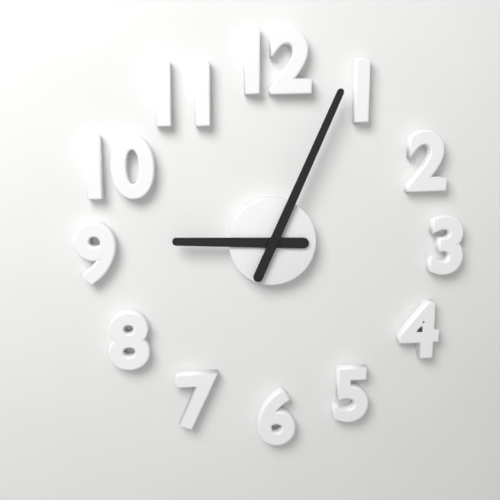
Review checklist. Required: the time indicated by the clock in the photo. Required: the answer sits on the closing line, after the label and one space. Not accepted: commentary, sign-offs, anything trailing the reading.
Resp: 9:04
